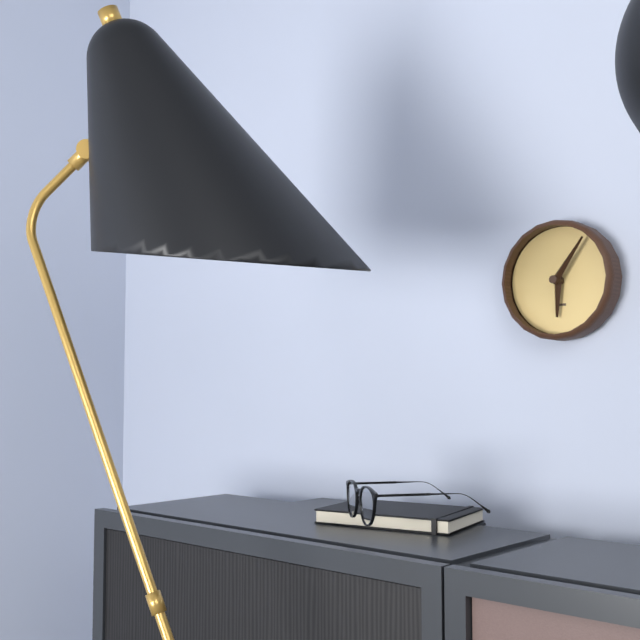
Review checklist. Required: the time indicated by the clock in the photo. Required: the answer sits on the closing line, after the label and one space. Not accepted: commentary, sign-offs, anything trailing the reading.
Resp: 6:06
